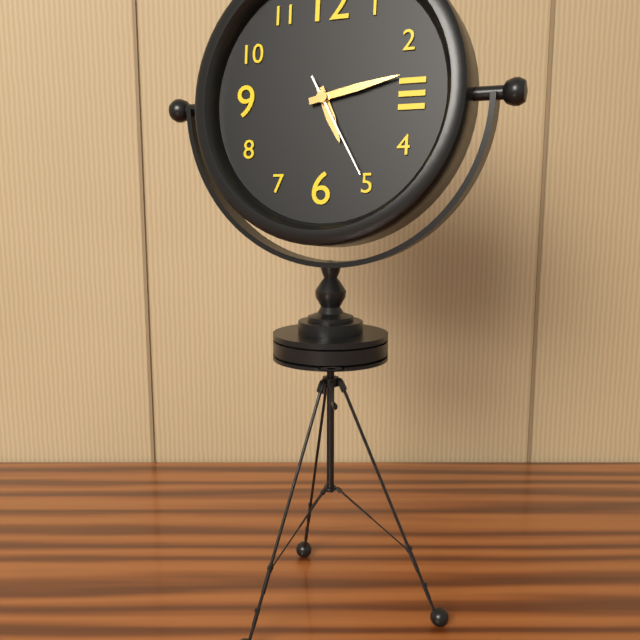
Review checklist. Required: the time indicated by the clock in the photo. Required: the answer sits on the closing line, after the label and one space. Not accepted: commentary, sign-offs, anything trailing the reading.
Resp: 5:13:25
